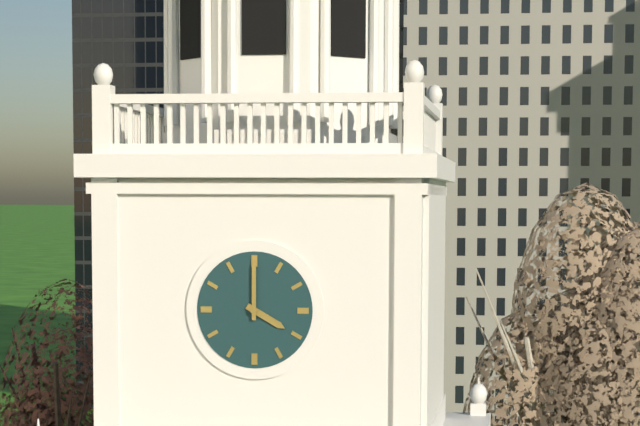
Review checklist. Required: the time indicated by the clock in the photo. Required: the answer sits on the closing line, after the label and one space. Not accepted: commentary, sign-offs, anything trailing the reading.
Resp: 4:00
